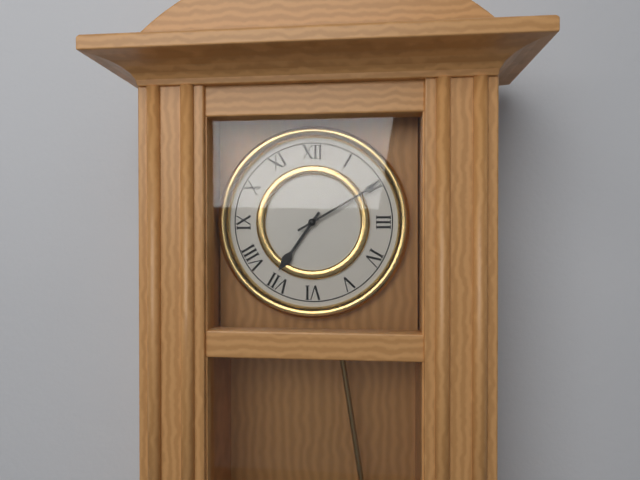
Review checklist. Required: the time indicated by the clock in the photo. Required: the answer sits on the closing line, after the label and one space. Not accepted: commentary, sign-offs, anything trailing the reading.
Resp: 7:10
